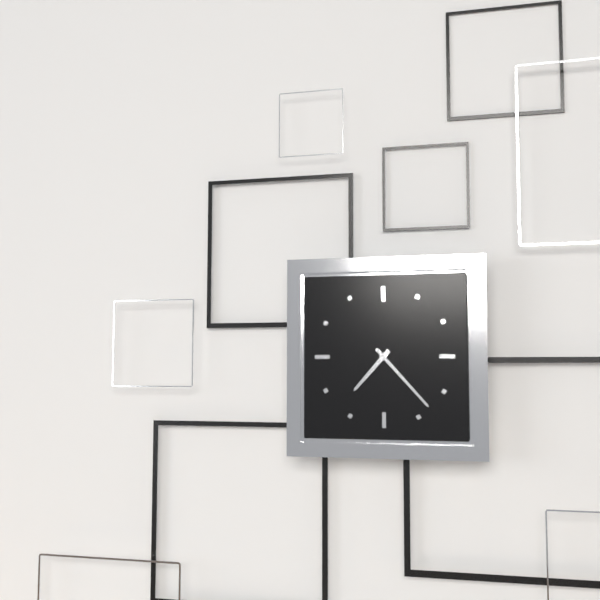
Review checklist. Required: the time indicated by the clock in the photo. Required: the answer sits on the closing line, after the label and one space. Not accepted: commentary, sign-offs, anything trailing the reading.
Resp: 7:23
